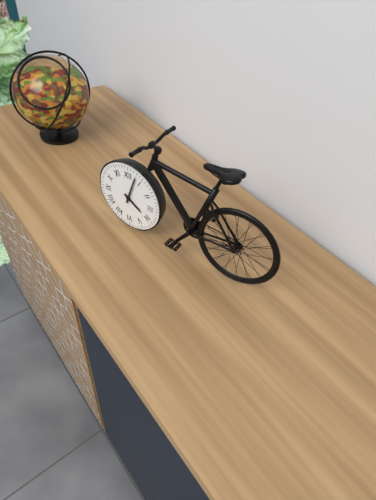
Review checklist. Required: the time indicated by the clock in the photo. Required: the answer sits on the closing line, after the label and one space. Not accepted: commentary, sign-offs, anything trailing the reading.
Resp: 4:03
